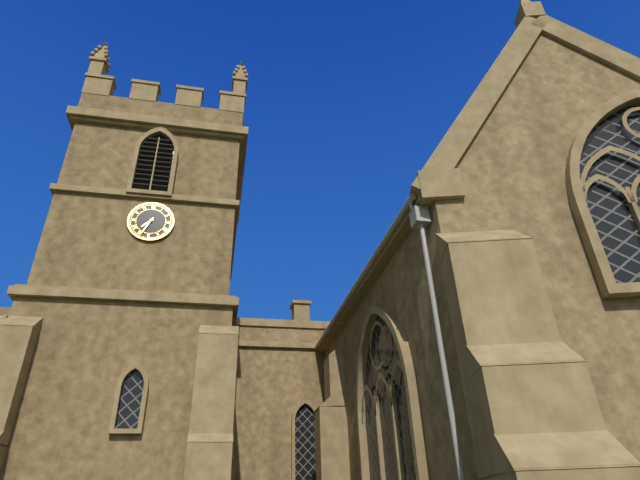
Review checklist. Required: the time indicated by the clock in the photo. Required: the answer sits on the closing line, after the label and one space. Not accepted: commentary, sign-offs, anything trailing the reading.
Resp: 7:34
